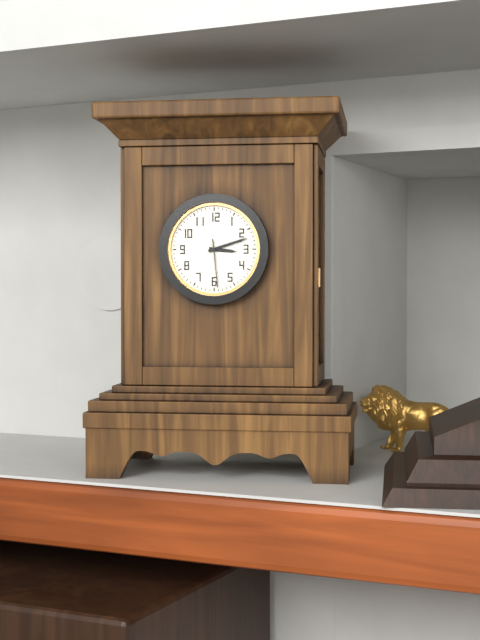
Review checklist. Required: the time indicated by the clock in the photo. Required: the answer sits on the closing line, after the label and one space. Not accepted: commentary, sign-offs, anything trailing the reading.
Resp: 3:12
